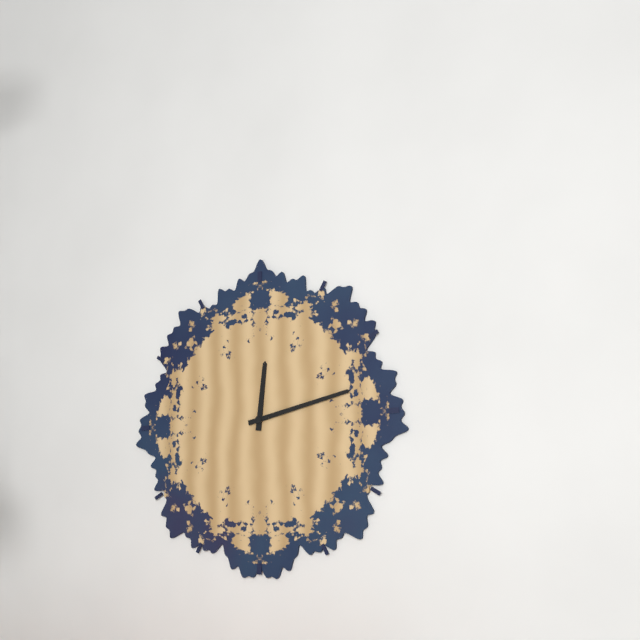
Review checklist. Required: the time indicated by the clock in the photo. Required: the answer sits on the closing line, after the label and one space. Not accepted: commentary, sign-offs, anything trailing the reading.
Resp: 12:13
